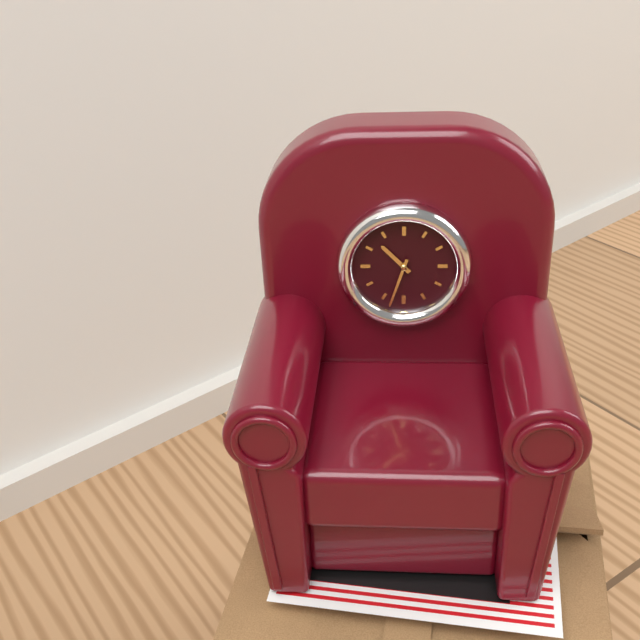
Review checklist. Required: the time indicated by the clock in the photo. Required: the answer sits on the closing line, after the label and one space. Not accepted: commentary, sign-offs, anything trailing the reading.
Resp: 10:33
